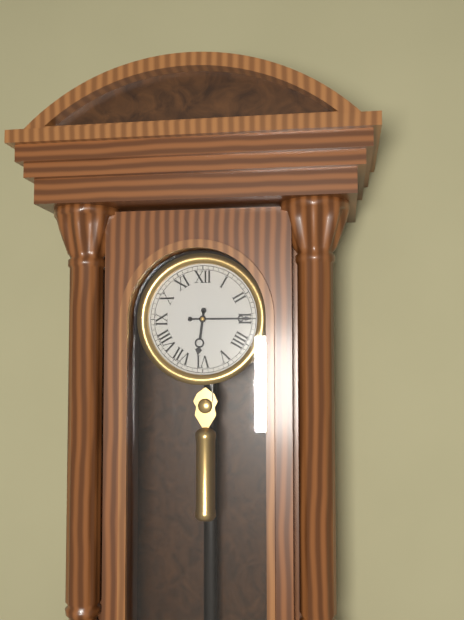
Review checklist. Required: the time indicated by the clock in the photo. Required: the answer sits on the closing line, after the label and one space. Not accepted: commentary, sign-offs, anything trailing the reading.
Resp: 6:15
